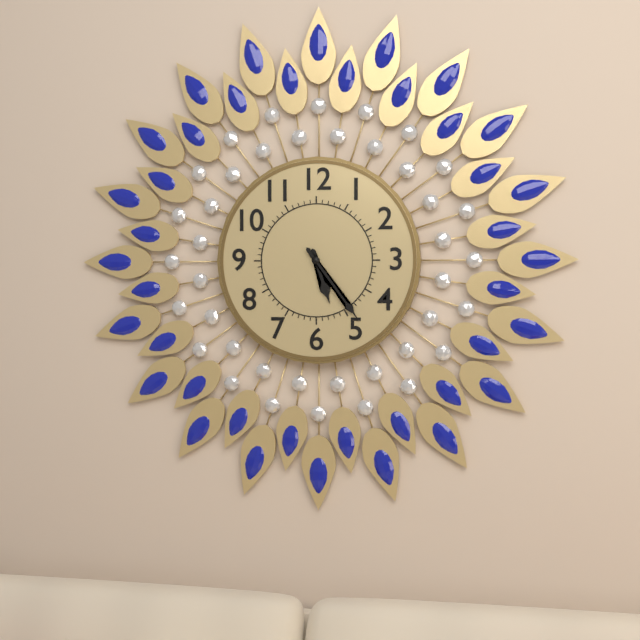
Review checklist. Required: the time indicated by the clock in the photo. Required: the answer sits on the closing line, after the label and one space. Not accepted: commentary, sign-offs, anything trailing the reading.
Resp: 5:24
